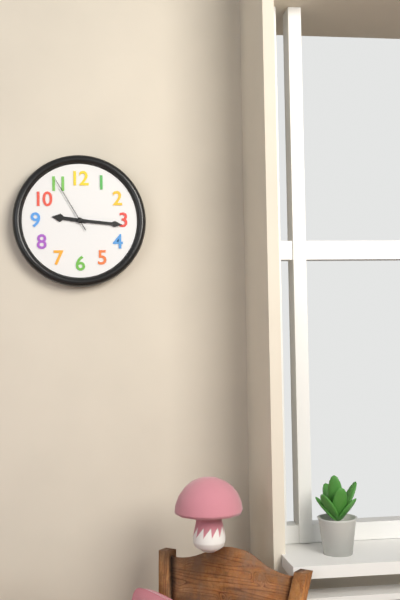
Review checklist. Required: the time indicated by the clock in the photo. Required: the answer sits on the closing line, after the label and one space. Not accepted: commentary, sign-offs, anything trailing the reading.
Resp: 9:16:55
